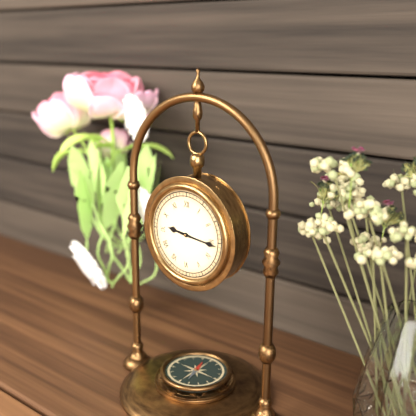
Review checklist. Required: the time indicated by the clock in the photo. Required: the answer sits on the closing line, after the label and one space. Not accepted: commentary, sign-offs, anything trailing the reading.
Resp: 9:16
